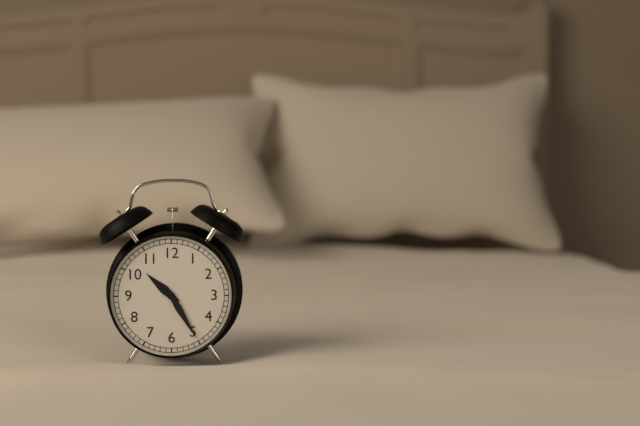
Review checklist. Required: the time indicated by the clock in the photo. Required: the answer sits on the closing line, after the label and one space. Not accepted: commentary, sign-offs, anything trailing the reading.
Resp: 10:25
